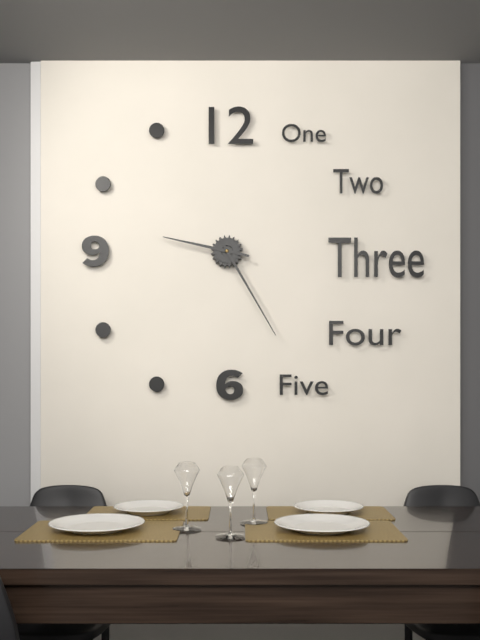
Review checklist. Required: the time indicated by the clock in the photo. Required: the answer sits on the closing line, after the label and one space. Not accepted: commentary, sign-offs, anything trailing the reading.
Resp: 9:25
